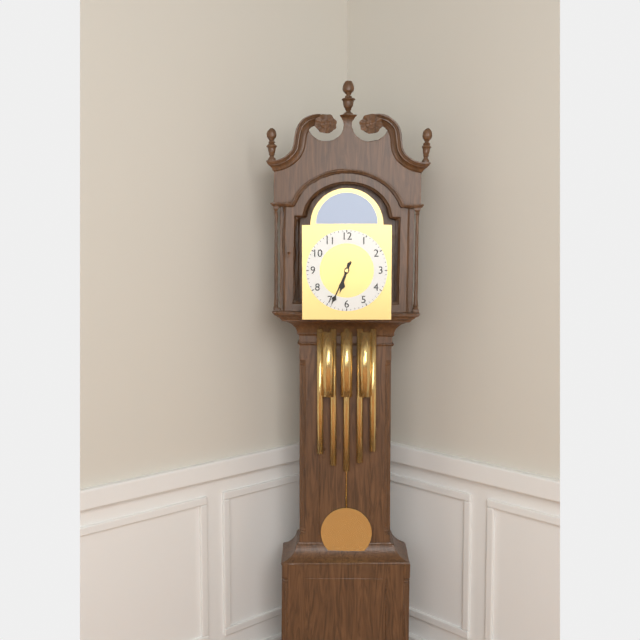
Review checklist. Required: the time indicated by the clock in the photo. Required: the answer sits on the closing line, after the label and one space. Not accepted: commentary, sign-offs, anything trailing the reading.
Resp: 6:34
